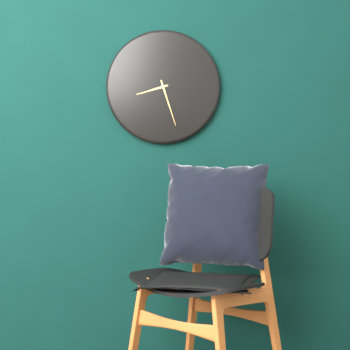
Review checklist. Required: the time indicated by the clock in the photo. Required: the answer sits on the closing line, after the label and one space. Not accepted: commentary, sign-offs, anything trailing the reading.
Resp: 8:27
